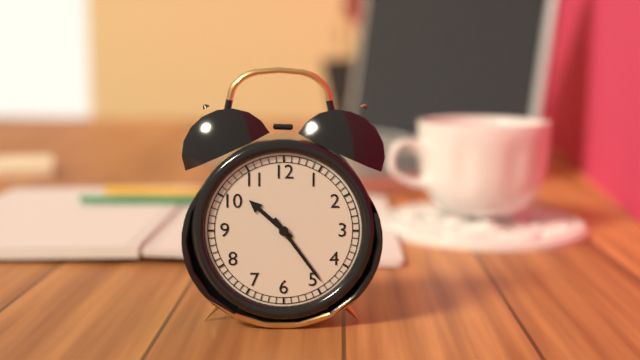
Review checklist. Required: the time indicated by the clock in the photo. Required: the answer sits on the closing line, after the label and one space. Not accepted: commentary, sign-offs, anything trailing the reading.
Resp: 10:24
